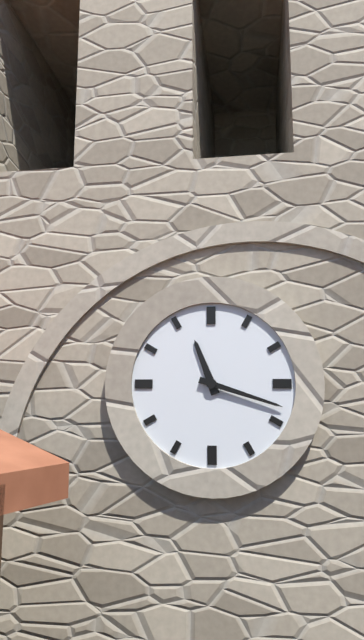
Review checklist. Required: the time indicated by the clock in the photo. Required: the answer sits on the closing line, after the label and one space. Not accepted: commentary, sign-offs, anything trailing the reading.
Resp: 11:18
